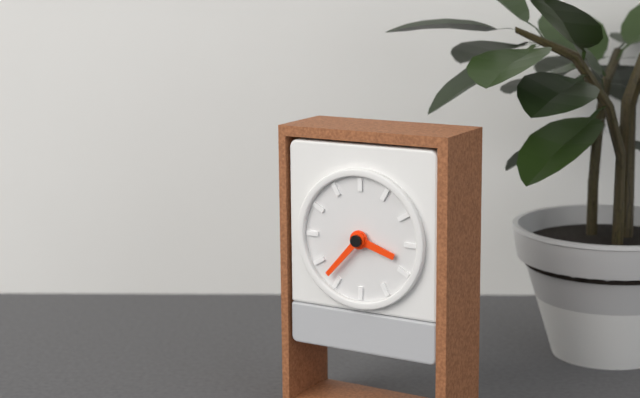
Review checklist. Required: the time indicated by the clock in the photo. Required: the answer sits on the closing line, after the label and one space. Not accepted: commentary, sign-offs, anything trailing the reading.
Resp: 3:37
